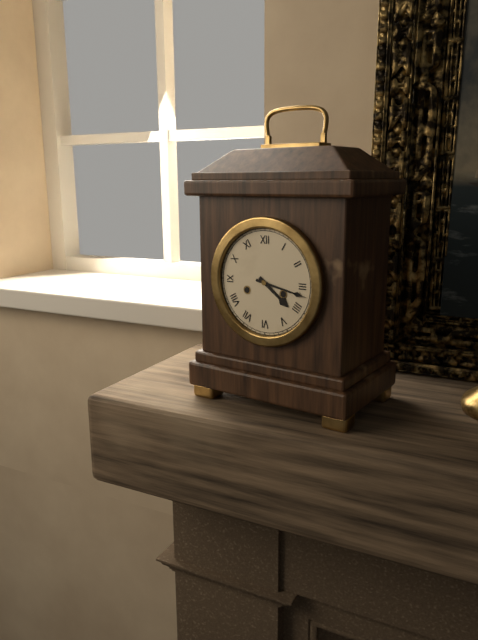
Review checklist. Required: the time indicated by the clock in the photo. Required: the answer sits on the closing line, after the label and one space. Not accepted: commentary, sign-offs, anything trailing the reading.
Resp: 4:17
